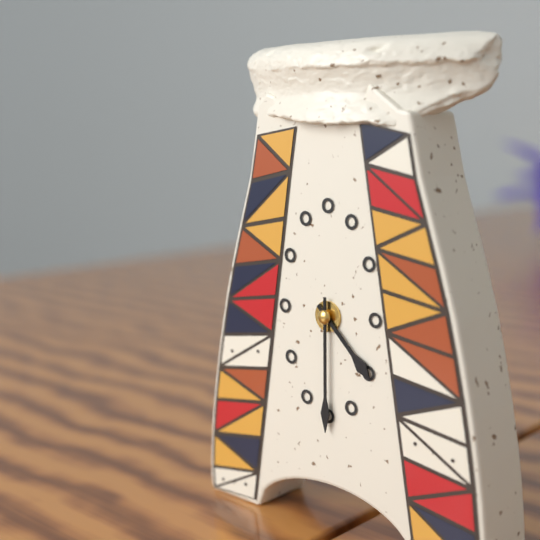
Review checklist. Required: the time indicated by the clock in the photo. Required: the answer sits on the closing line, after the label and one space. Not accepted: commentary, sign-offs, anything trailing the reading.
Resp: 4:30
